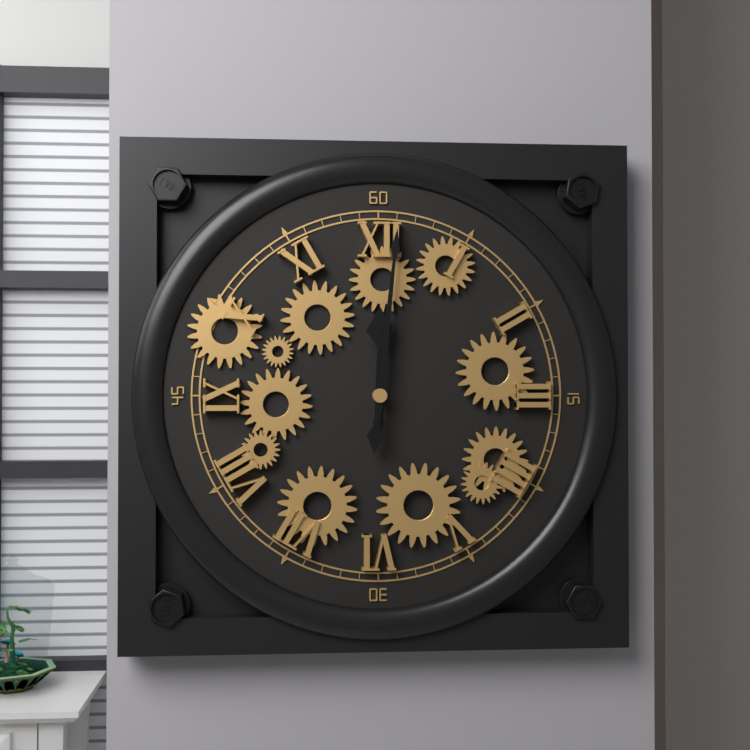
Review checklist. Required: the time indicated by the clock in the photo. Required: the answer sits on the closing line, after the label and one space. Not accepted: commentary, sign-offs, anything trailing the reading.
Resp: 12:01
